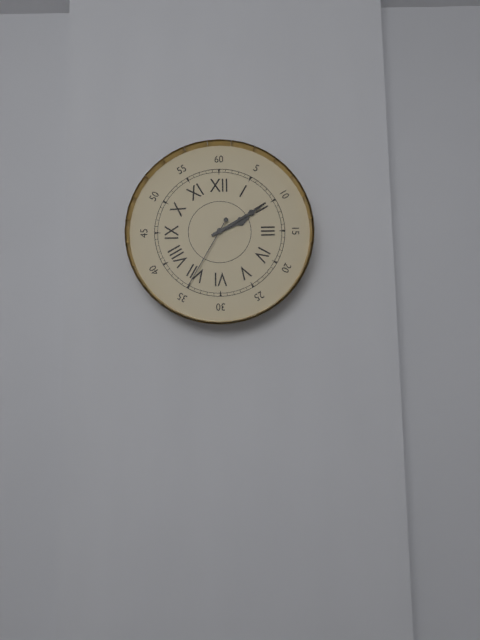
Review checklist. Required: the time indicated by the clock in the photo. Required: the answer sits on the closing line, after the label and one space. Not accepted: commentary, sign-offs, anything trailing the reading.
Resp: 2:10:35
